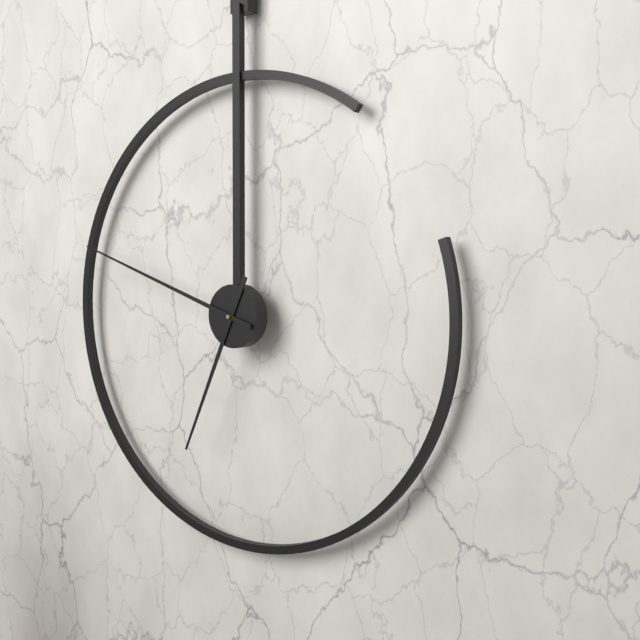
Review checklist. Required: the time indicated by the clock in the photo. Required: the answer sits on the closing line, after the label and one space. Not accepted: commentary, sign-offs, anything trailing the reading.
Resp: 6:48
